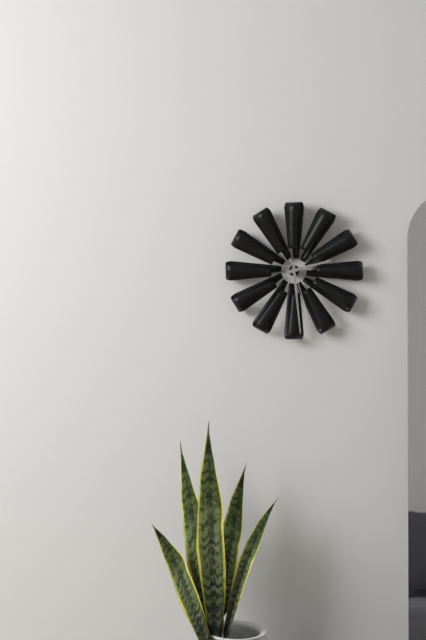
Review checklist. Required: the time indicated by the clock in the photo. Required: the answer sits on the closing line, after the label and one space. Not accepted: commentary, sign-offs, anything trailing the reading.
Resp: 2:29:27
